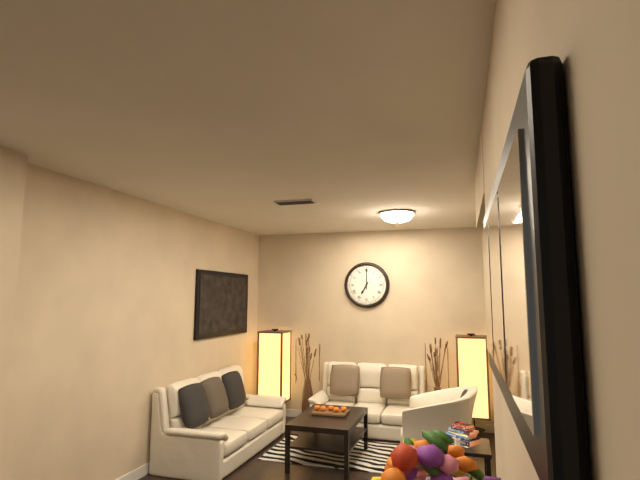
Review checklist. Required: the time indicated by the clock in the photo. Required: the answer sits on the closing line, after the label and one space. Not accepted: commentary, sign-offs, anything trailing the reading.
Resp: 7:00
